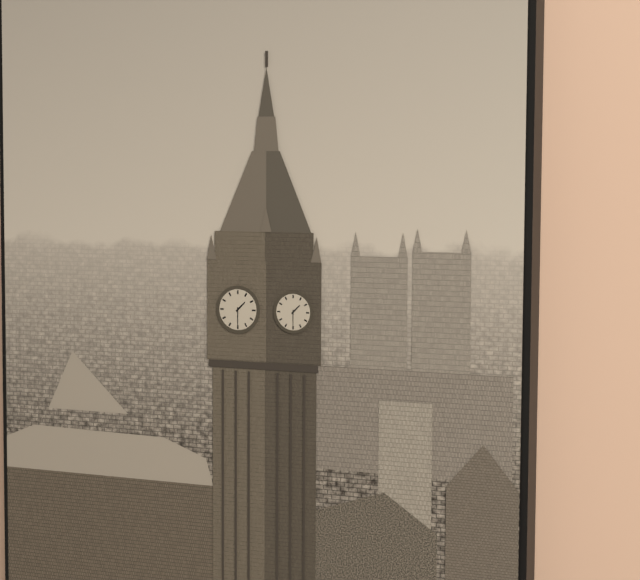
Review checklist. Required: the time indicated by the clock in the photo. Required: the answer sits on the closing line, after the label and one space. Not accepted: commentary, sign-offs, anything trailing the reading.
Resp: 1:30
